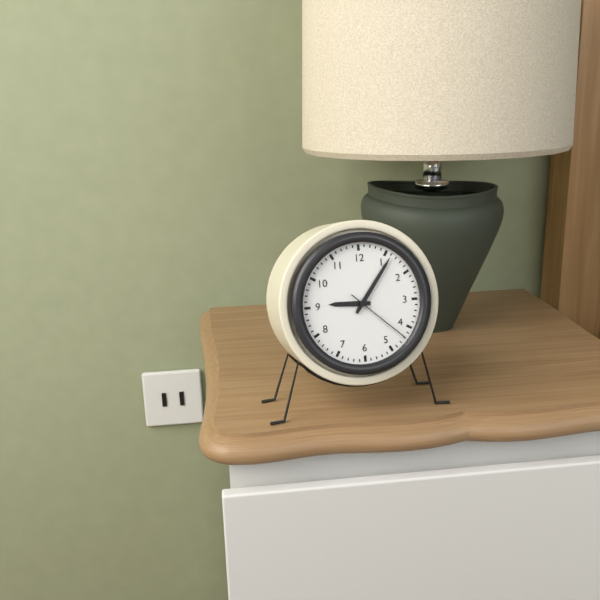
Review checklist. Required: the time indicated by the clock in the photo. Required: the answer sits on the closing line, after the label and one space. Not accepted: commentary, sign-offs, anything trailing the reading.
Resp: 9:06:22
